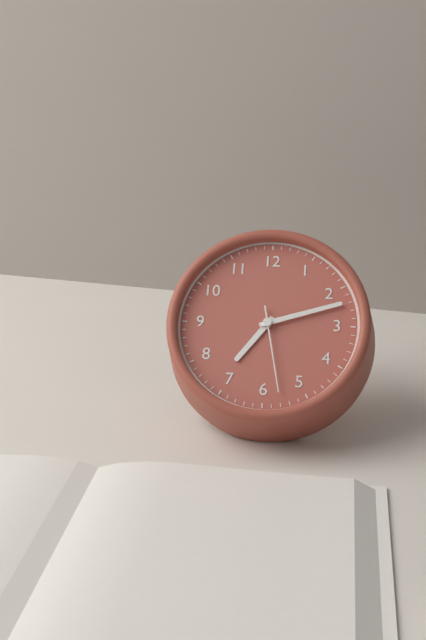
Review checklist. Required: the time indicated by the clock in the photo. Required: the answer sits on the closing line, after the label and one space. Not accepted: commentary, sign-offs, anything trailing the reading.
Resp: 7:12:28
